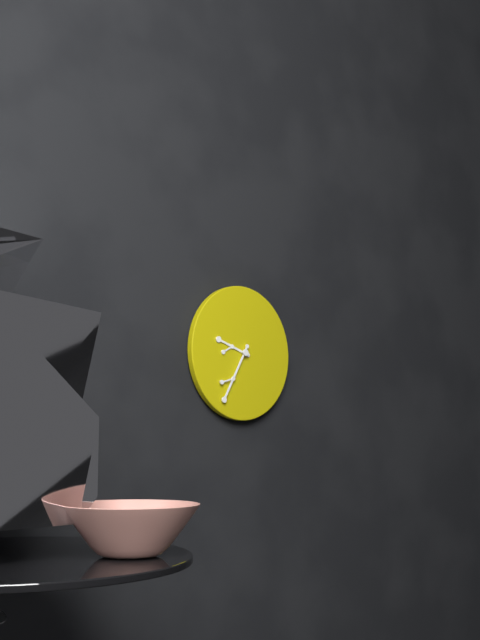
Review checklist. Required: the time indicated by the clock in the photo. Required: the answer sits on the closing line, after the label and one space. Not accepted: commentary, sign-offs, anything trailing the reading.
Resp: 9:35
